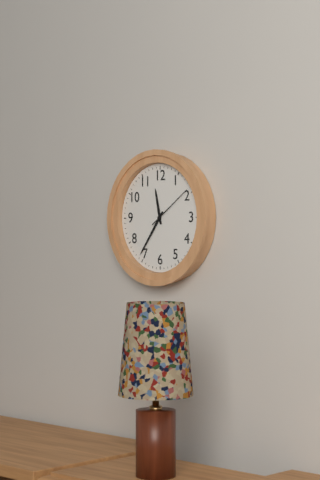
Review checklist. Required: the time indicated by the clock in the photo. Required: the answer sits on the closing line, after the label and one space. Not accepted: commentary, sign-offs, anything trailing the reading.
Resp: 11:36:09
